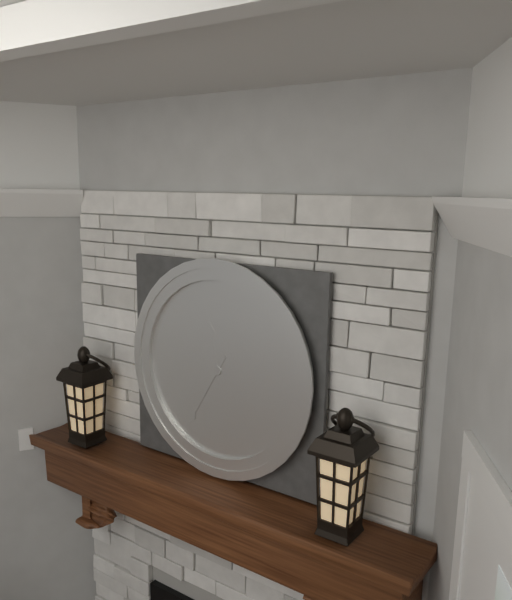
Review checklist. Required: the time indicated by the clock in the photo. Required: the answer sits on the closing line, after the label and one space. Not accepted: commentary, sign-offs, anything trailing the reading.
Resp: 11:35
